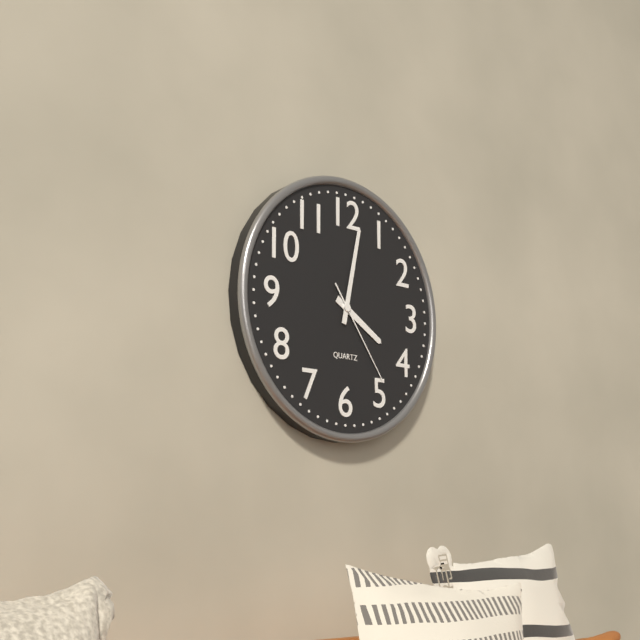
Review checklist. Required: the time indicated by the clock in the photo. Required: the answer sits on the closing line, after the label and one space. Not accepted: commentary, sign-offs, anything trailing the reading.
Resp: 4:02:24
